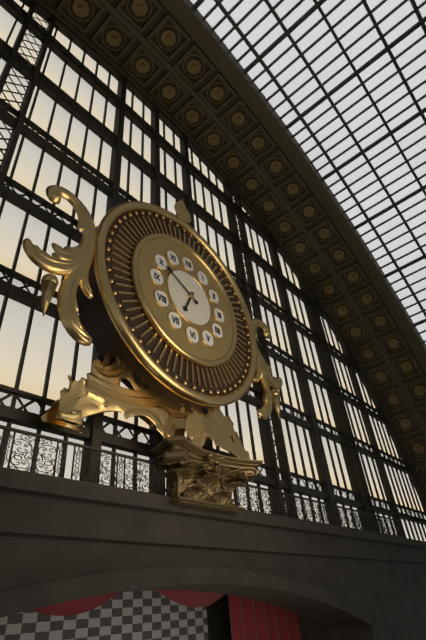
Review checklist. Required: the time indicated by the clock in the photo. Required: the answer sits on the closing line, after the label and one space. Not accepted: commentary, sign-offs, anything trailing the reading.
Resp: 6:50
